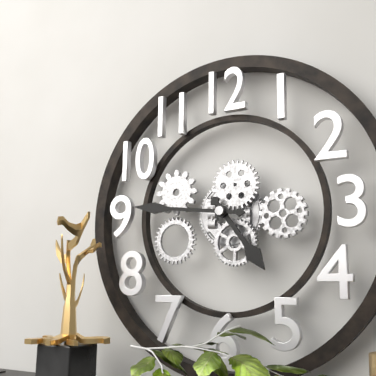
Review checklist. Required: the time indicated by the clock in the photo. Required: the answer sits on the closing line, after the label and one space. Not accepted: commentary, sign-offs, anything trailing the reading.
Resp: 4:46
